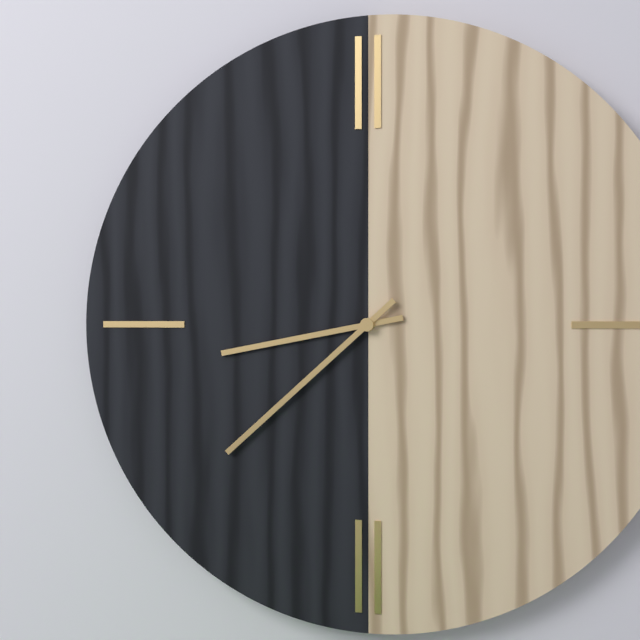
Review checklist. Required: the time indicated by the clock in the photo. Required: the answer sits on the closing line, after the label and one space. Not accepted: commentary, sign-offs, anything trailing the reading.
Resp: 8:38
